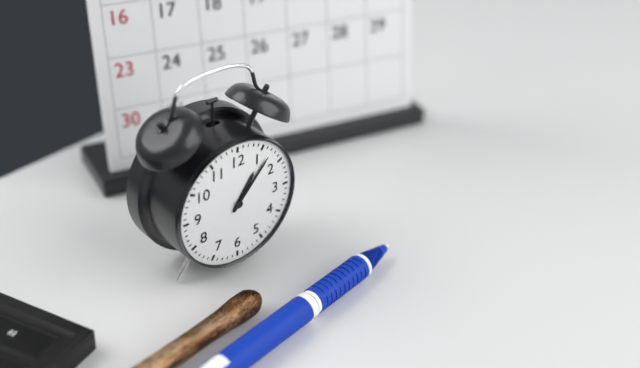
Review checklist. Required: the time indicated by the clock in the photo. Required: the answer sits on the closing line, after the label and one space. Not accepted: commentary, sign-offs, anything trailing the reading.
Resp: 1:07
